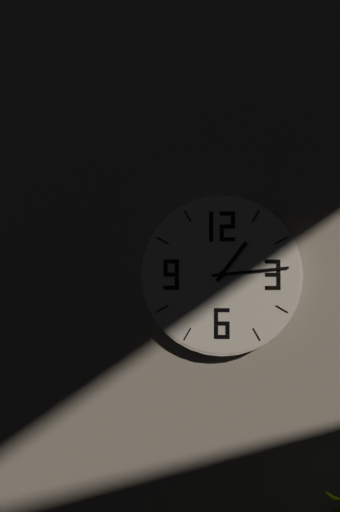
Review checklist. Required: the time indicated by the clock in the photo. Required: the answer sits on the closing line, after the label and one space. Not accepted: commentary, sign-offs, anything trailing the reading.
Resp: 1:14
